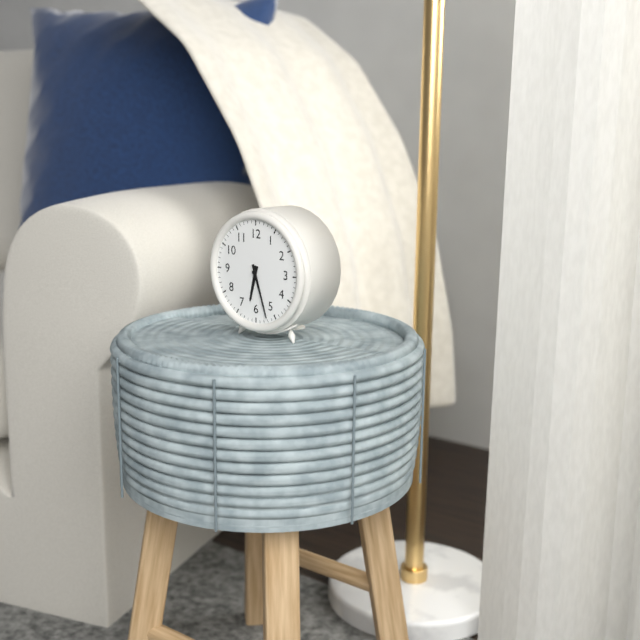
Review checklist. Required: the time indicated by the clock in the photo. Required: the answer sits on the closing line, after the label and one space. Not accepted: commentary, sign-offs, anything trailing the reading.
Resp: 6:27
